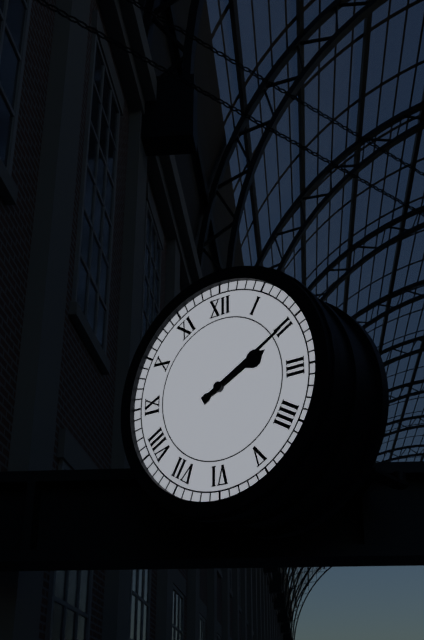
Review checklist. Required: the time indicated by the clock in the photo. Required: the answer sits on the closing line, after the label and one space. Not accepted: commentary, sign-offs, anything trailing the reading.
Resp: 2:10
